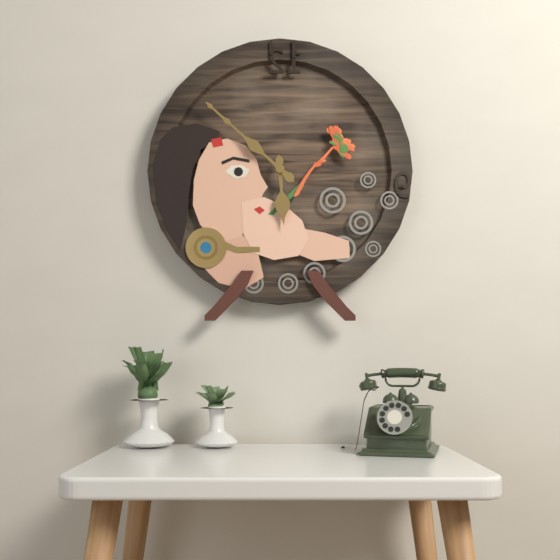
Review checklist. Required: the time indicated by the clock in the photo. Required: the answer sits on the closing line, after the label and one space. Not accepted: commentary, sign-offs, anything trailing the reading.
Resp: 5:52
